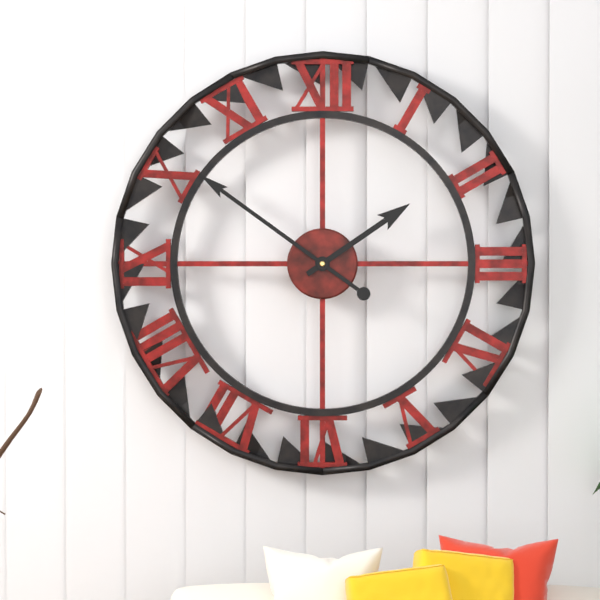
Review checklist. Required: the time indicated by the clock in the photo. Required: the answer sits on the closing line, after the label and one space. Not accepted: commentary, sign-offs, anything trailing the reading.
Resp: 1:51
